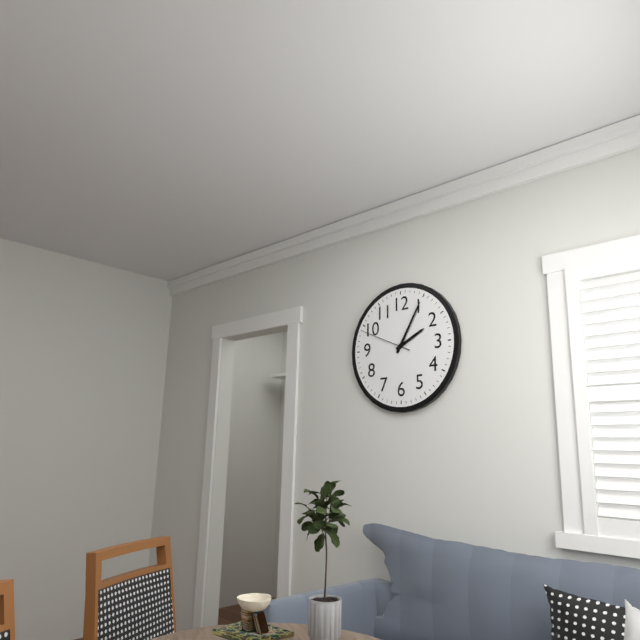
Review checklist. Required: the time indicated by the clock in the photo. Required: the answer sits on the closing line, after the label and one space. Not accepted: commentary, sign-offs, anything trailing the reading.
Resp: 2:05:49
